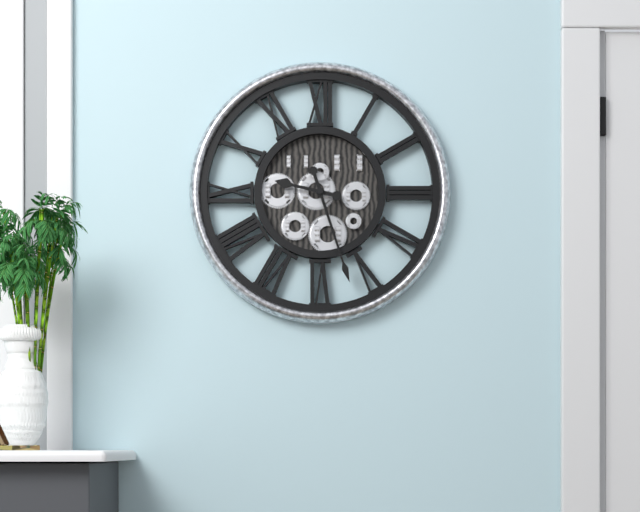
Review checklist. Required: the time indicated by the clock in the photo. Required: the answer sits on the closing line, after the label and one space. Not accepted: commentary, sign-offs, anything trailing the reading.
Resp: 9:27
